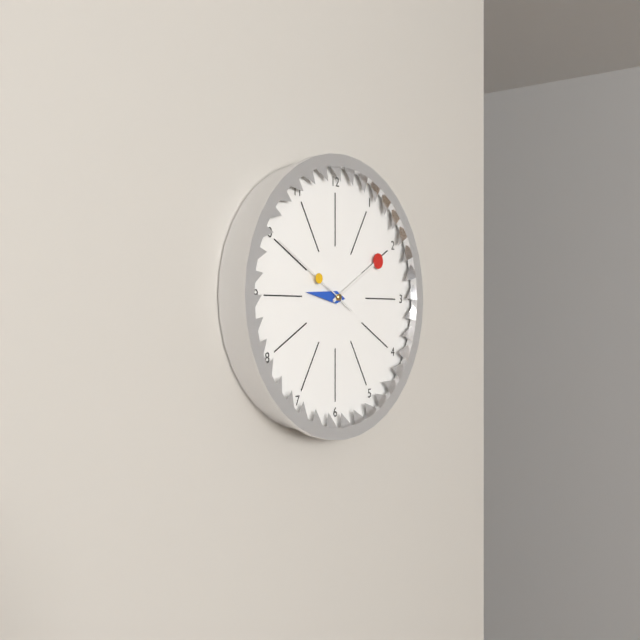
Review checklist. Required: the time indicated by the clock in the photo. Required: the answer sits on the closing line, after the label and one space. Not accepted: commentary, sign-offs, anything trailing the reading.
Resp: 9:10:50
